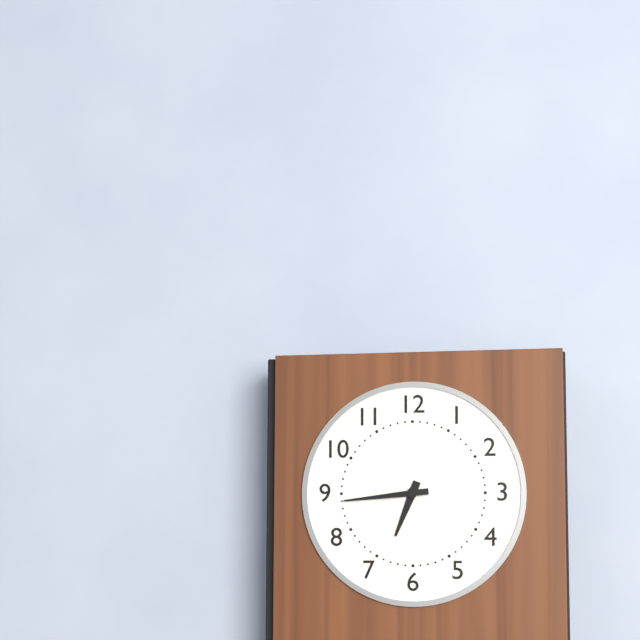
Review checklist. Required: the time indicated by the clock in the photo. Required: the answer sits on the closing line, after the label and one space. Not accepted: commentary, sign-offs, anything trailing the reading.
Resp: 6:44
